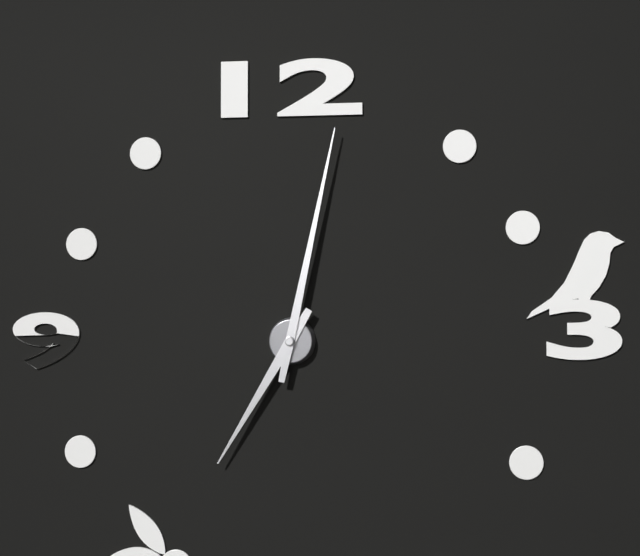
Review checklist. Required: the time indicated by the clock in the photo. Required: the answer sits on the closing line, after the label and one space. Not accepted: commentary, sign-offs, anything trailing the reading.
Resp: 7:02
